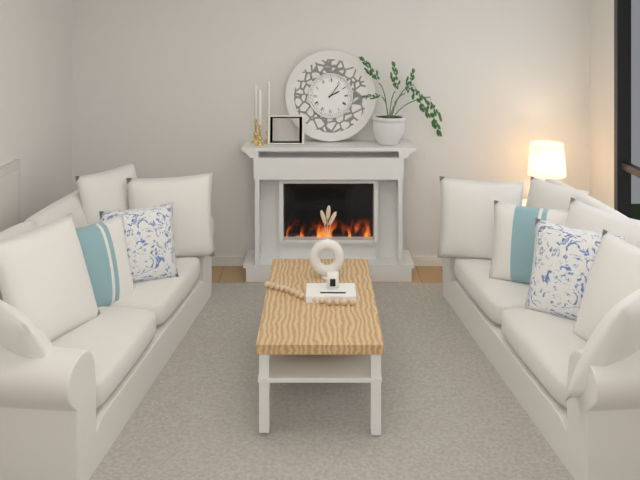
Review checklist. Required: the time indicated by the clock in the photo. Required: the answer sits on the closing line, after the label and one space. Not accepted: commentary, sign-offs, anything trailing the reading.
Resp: 2:06
